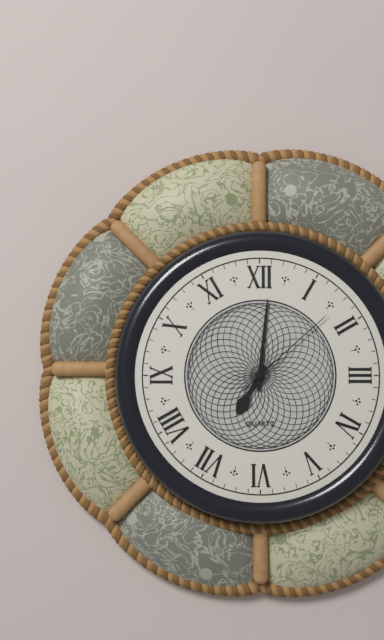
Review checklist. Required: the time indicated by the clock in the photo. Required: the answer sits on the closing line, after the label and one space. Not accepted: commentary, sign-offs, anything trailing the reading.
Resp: 7:01:08
